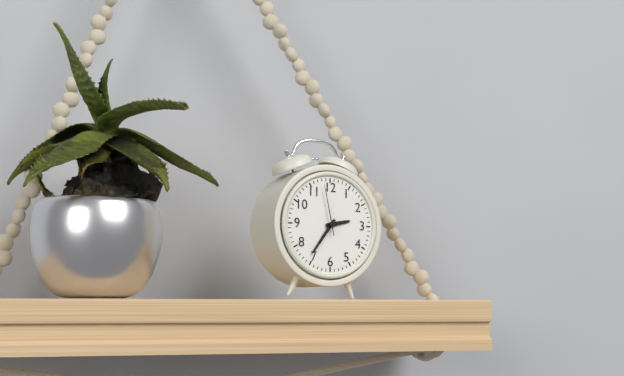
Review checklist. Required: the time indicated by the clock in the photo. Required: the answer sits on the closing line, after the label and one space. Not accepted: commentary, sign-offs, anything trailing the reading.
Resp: 2:36:58
